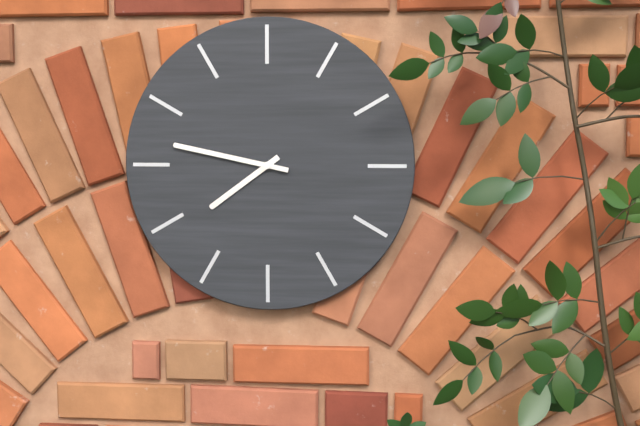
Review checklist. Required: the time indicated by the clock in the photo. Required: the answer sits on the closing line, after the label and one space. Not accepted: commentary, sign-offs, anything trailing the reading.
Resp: 7:47
